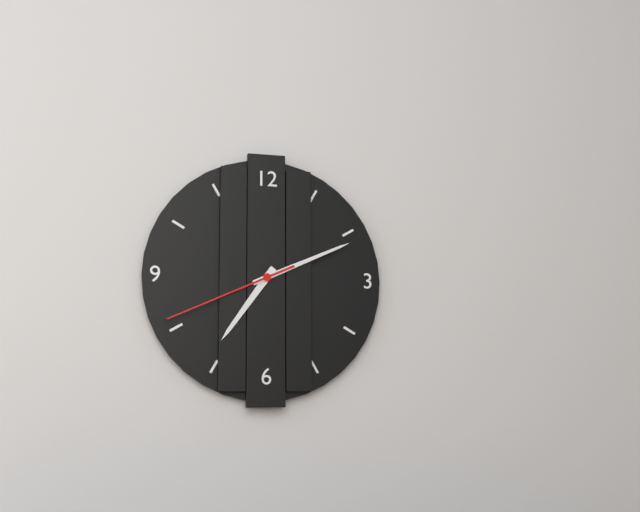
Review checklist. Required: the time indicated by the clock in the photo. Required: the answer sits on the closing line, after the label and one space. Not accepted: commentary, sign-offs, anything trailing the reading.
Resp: 7:11:41
